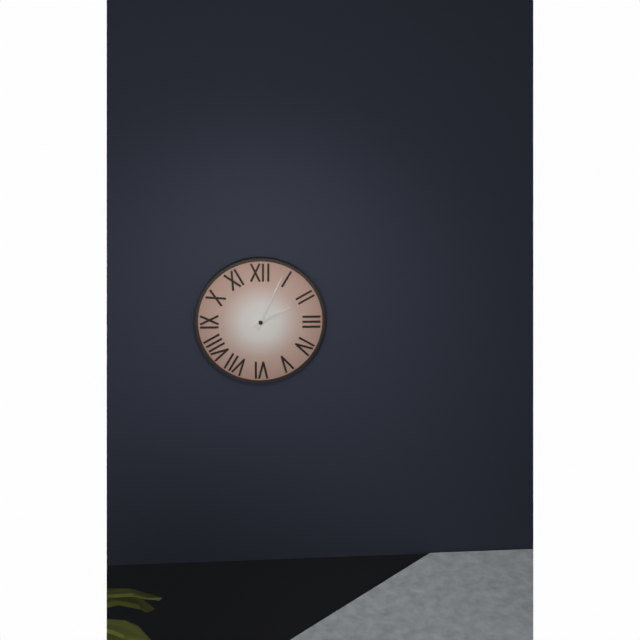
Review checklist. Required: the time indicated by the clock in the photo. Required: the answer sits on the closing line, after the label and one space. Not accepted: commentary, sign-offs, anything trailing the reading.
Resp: 2:04
